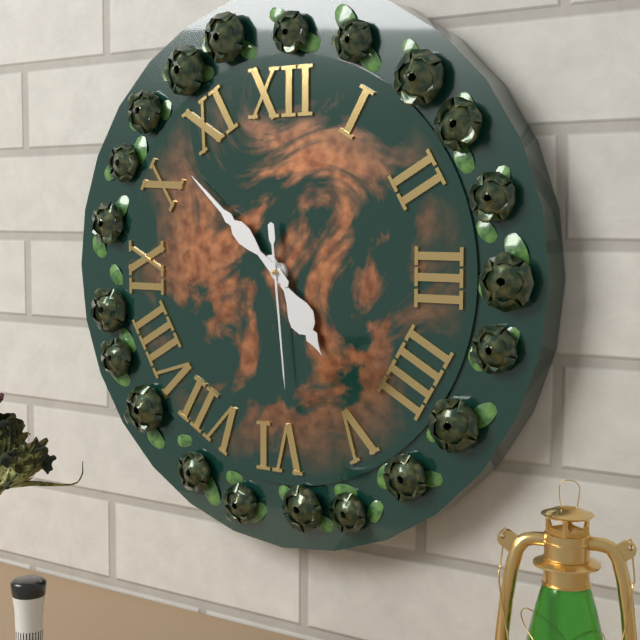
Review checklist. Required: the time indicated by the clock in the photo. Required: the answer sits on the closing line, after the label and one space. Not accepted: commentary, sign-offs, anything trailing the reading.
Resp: 4:52:29
